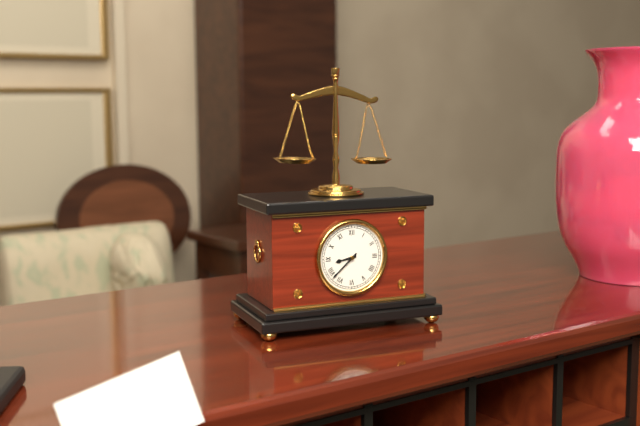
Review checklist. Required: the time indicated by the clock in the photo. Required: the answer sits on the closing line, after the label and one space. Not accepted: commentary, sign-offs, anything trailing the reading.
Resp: 8:38
